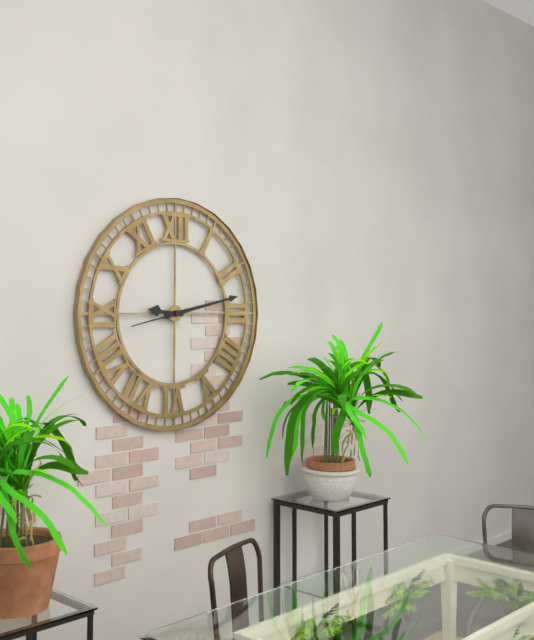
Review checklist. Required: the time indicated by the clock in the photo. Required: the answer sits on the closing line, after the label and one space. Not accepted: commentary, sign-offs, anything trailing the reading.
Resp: 9:13:43
